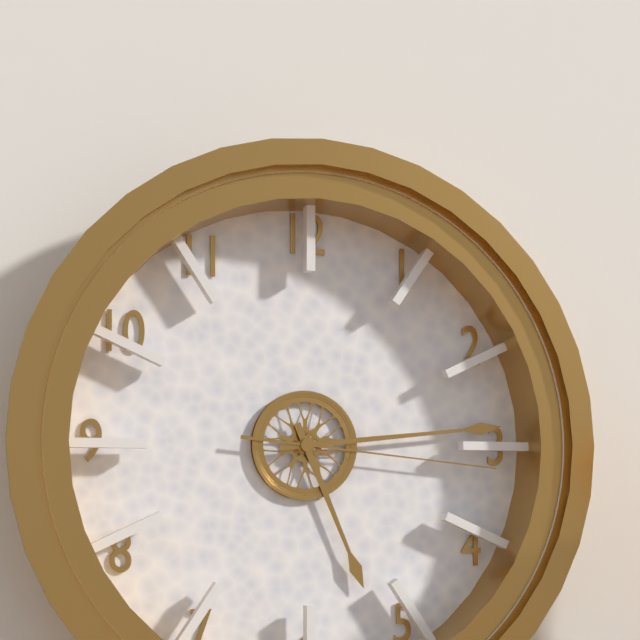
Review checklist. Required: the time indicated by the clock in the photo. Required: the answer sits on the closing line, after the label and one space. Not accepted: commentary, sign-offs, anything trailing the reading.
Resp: 5:14:16
